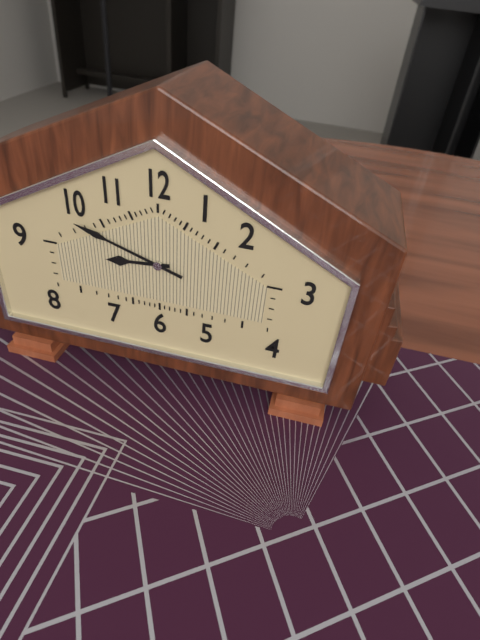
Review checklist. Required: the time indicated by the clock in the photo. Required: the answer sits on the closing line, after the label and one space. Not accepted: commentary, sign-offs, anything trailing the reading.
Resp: 8:48
